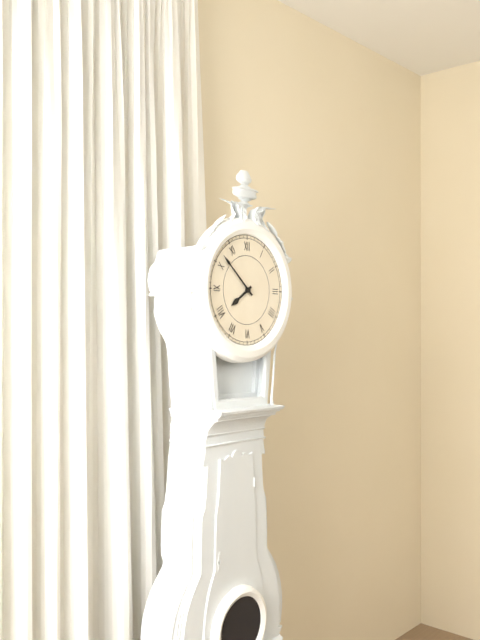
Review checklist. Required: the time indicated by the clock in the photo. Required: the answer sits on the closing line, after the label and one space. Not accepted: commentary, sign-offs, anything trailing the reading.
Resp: 7:52
